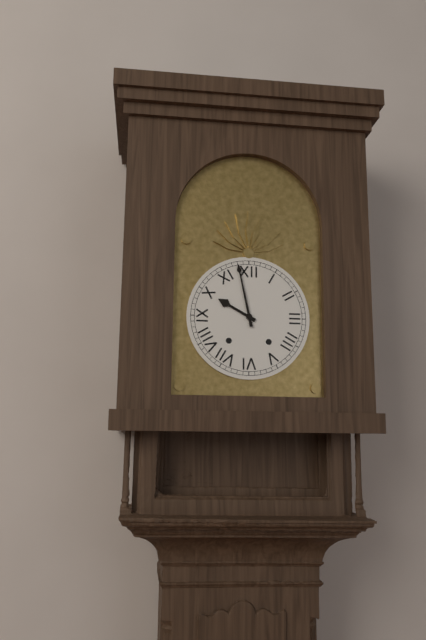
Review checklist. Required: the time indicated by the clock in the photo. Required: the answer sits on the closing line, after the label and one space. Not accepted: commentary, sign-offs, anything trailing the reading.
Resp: 9:58
